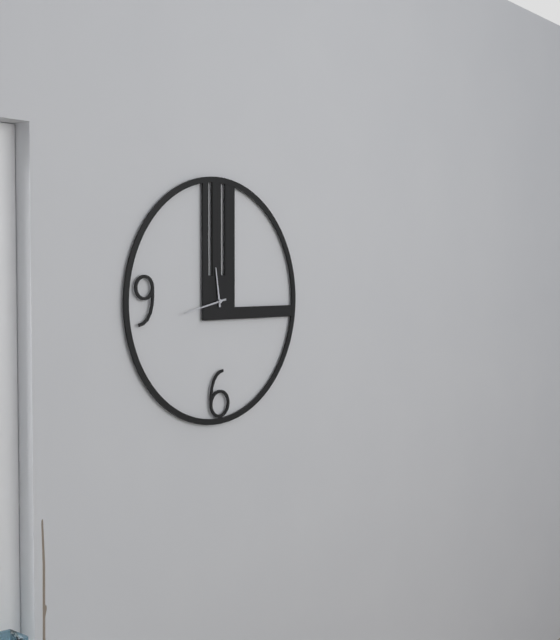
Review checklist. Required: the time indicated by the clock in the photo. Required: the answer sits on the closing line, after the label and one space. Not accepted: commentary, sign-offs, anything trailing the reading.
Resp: 11:43
